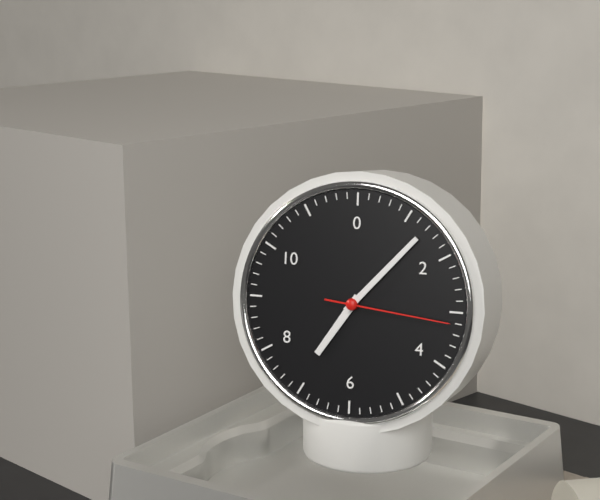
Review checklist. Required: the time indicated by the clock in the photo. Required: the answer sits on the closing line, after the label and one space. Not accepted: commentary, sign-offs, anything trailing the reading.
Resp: 7:07:16
